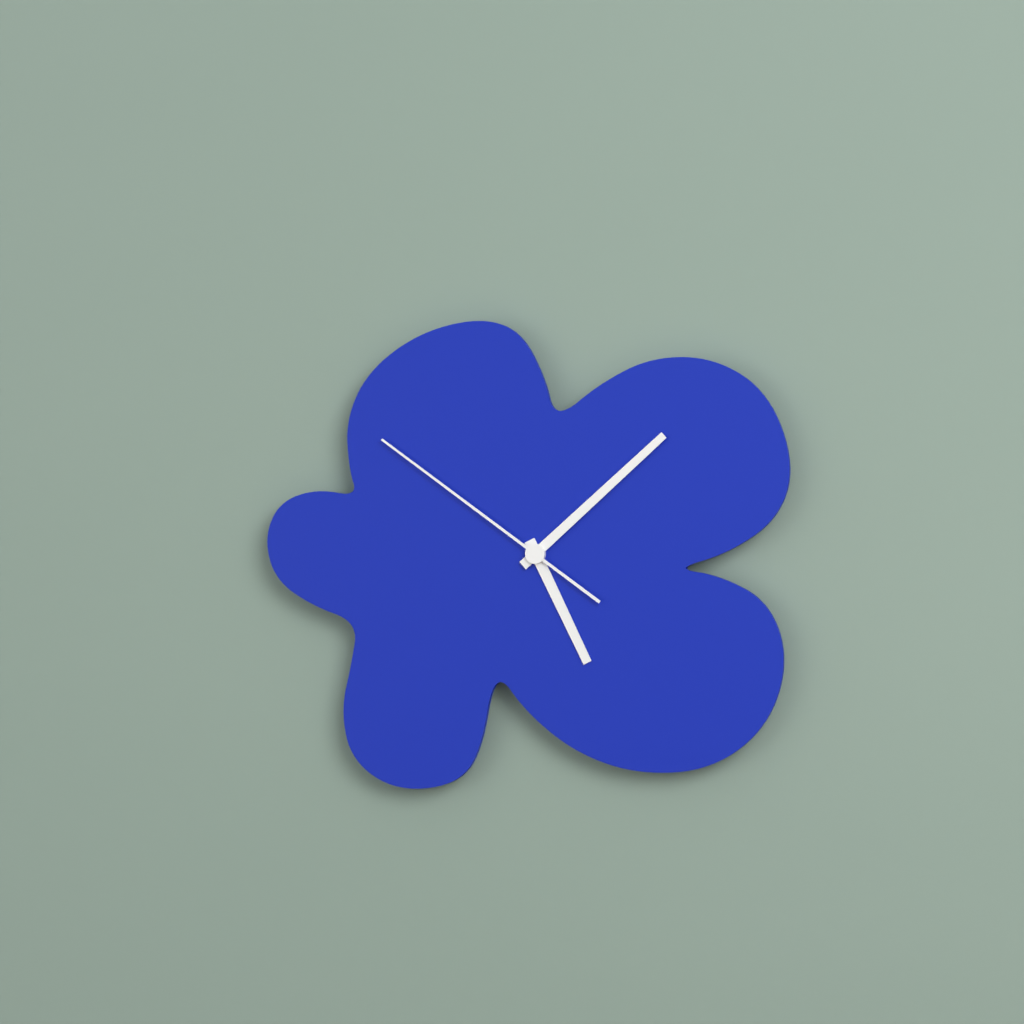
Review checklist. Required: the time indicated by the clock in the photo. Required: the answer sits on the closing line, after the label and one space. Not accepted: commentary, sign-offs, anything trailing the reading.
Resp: 5:08:51
